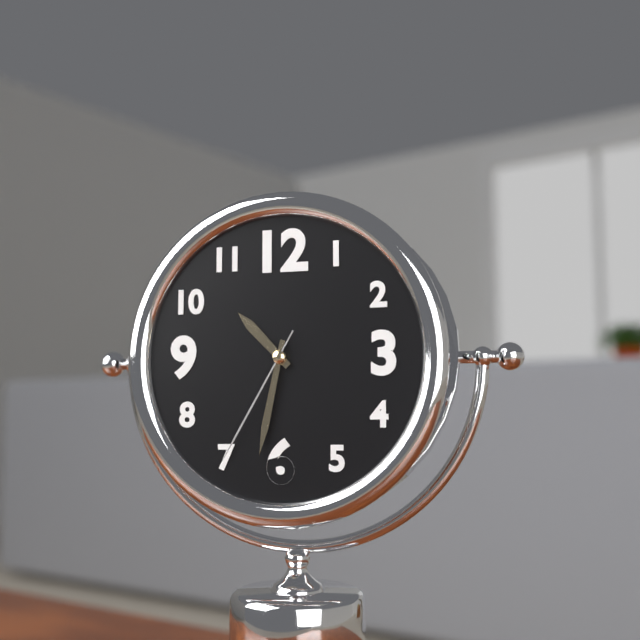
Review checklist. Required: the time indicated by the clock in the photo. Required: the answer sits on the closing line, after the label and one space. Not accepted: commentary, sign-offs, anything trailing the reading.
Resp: 10:32:35
